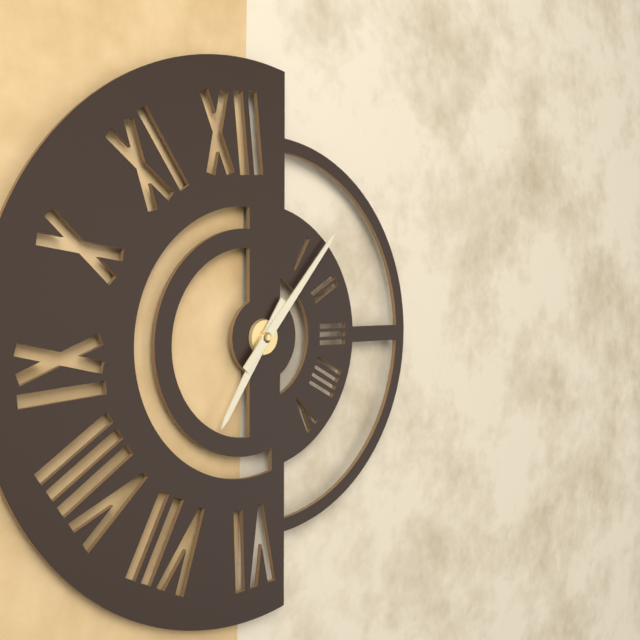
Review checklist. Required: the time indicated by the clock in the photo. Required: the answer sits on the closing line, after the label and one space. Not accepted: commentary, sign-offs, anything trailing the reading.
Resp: 7:07
